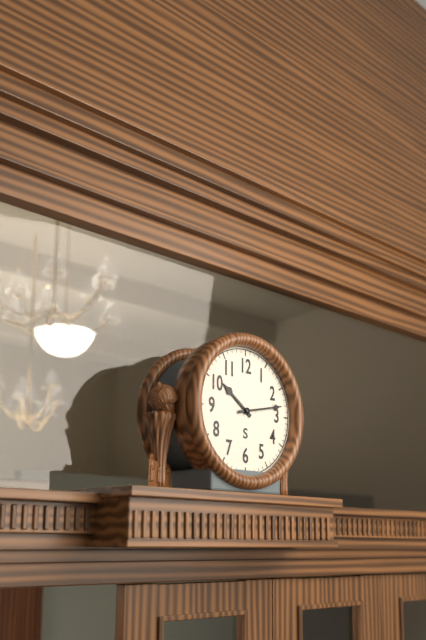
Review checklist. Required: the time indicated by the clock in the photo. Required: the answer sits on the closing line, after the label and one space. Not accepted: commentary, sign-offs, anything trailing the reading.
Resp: 10:13
